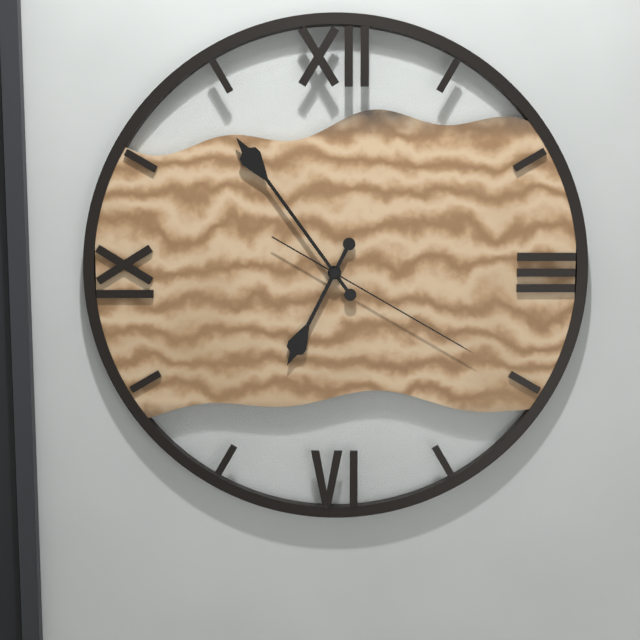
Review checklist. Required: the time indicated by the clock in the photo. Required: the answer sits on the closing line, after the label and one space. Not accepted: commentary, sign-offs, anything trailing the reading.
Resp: 6:54:20
